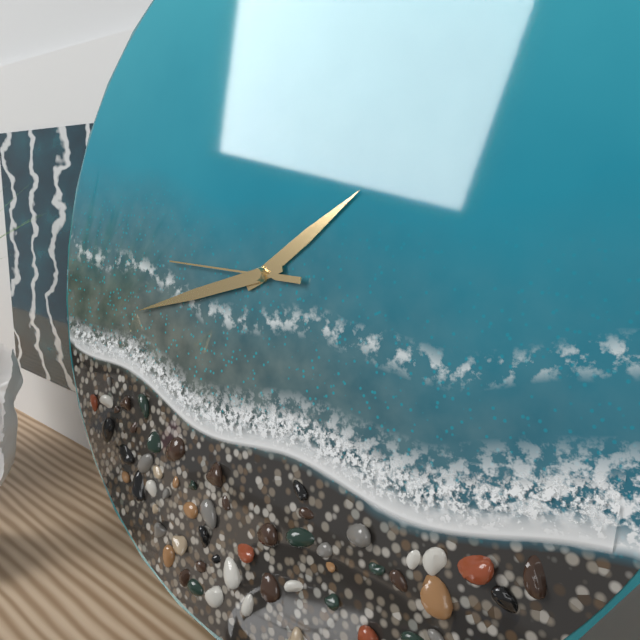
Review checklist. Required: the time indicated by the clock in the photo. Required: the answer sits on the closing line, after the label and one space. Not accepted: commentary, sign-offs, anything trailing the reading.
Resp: 1:42:45
